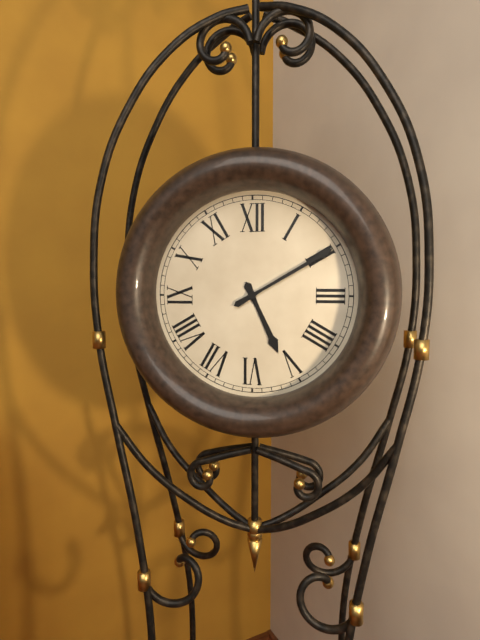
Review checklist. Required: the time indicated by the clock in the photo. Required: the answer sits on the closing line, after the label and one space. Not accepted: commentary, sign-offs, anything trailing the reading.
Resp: 5:10
